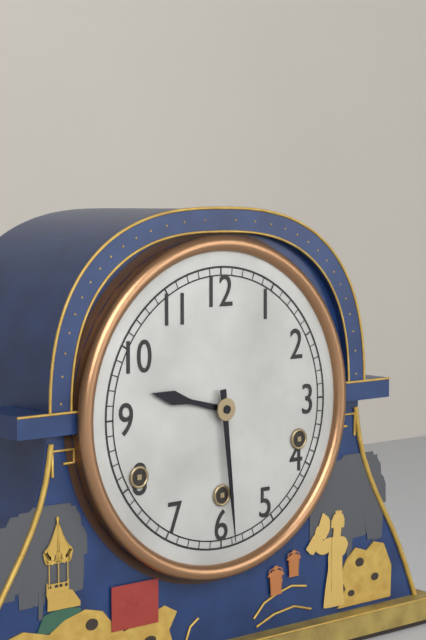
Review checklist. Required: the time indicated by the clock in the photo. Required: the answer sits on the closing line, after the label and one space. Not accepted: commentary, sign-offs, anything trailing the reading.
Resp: 9:29
